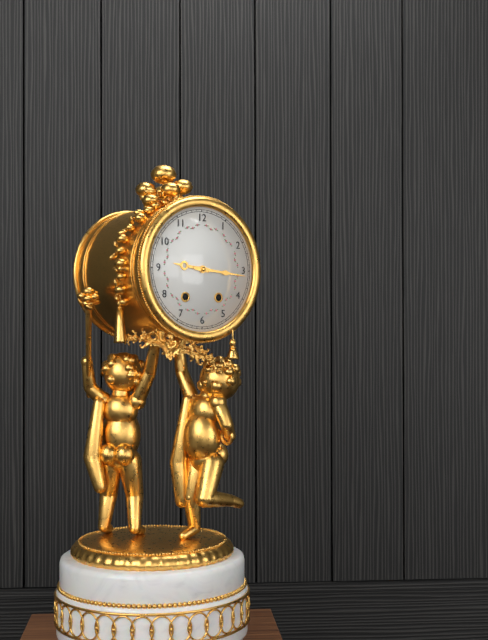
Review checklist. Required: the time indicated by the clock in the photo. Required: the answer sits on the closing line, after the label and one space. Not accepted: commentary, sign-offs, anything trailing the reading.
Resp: 9:16
